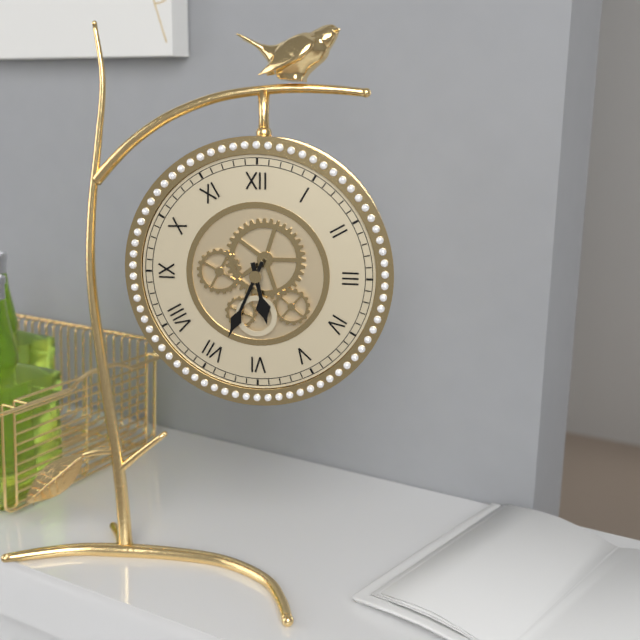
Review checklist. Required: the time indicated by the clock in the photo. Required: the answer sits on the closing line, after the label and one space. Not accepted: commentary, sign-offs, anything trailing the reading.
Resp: 5:34
